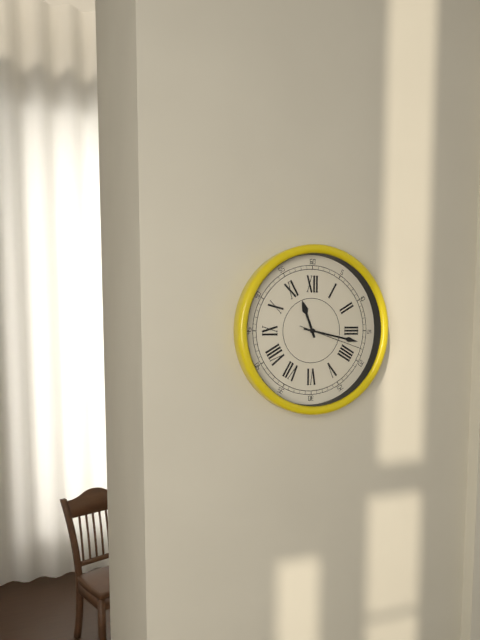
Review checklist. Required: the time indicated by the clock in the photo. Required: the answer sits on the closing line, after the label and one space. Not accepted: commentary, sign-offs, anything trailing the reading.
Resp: 11:17:18
